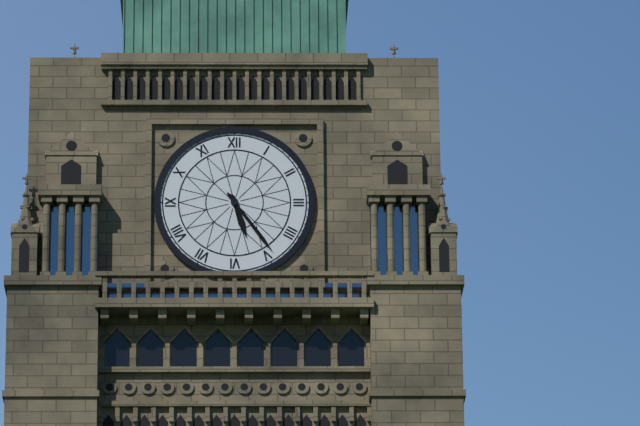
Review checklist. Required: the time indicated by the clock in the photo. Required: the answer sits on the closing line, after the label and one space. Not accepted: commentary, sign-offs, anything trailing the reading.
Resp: 5:24
